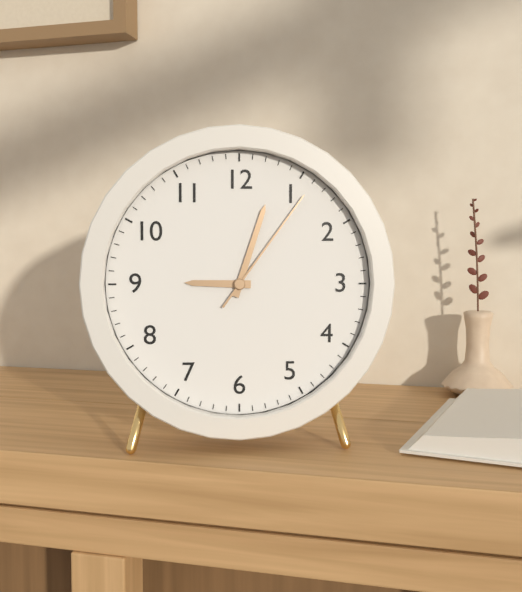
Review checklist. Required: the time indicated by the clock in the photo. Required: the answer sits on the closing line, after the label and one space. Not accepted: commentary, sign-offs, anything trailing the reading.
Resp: 9:03:06
